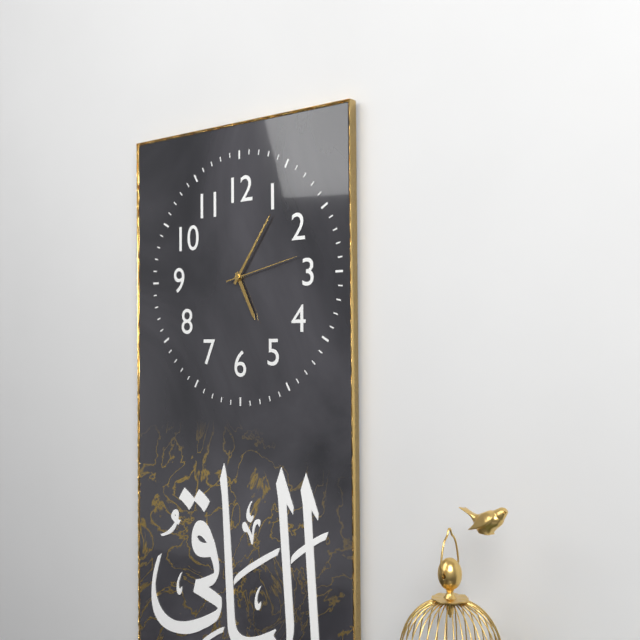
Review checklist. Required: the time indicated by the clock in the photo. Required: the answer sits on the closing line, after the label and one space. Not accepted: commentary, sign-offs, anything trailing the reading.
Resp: 5:06:13
